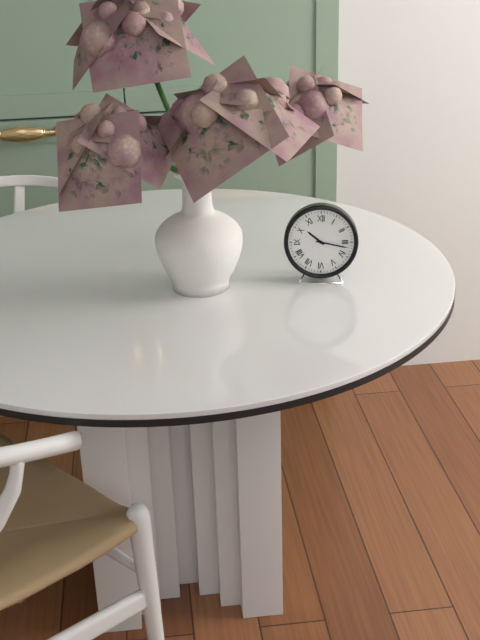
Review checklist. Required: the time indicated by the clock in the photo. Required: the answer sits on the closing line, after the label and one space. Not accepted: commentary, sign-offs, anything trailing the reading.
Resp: 10:17
